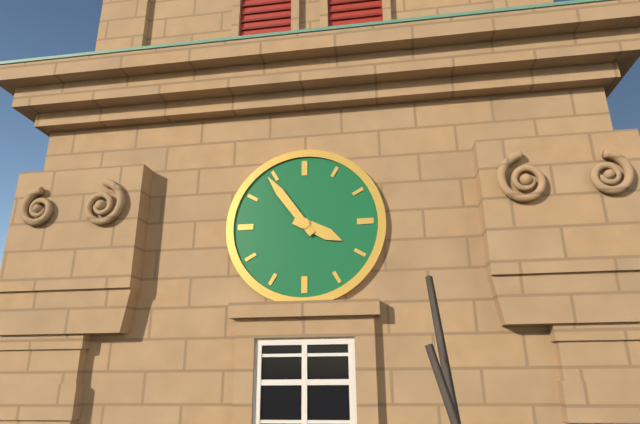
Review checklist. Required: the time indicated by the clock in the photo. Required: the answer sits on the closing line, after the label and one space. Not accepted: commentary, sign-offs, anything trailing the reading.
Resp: 3:54
